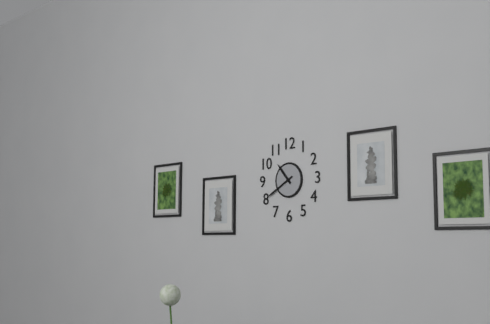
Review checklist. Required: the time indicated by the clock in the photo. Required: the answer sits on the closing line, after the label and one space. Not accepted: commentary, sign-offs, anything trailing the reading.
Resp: 10:40
